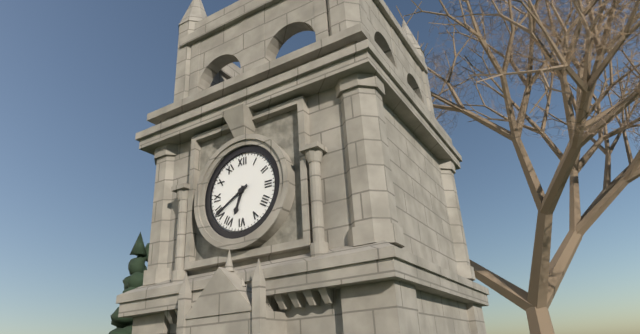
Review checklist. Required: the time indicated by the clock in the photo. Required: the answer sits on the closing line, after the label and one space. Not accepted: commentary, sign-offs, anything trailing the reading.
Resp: 6:40
